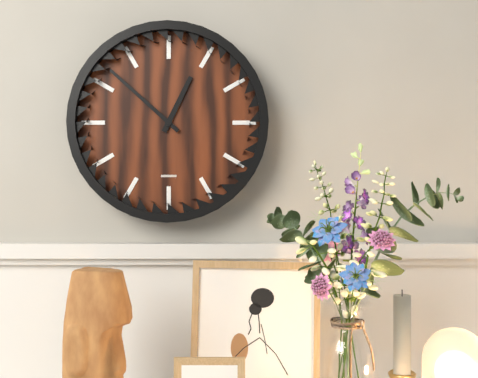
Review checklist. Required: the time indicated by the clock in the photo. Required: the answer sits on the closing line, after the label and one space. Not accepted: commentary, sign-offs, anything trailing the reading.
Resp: 12:52
